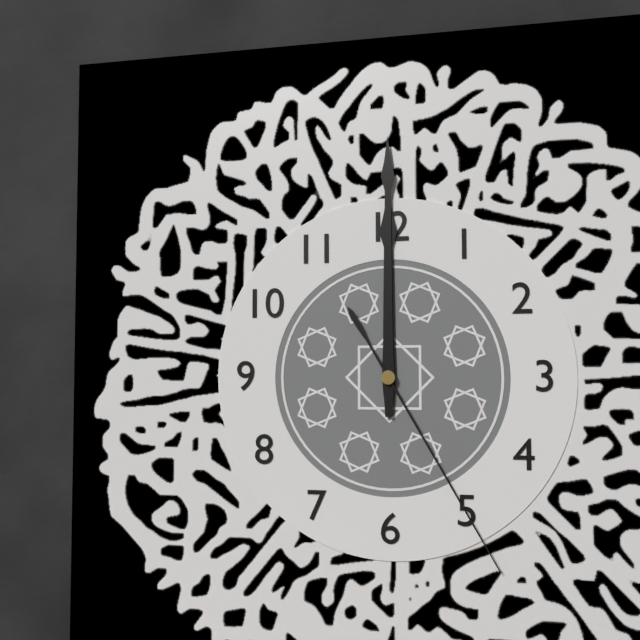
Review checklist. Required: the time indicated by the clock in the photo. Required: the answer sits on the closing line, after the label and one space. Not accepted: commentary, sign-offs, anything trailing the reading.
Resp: 12:00:25
